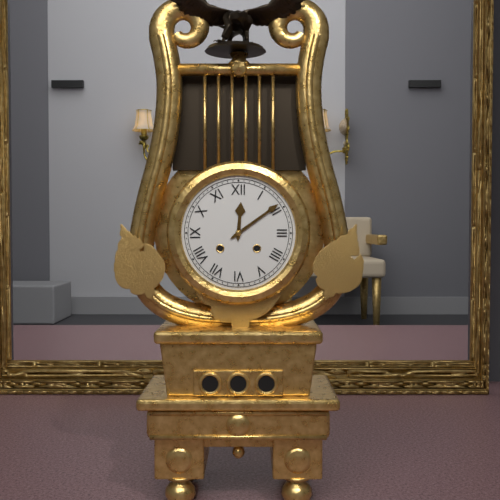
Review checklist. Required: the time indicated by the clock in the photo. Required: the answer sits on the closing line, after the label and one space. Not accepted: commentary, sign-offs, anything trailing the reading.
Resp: 12:09
